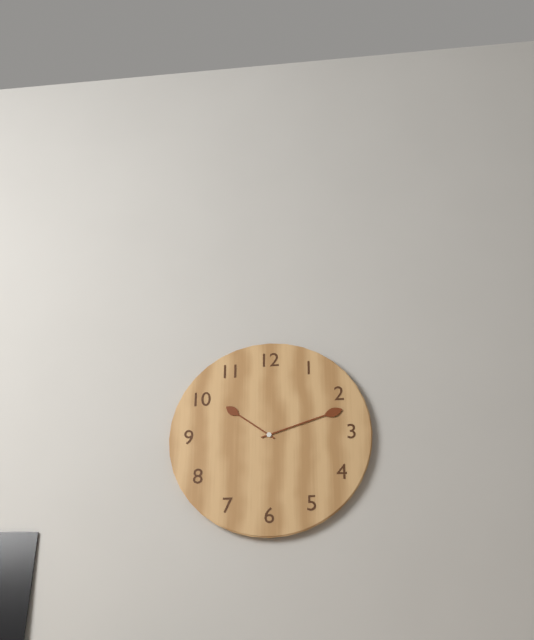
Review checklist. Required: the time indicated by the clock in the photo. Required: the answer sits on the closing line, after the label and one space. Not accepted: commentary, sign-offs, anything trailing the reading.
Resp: 10:12
